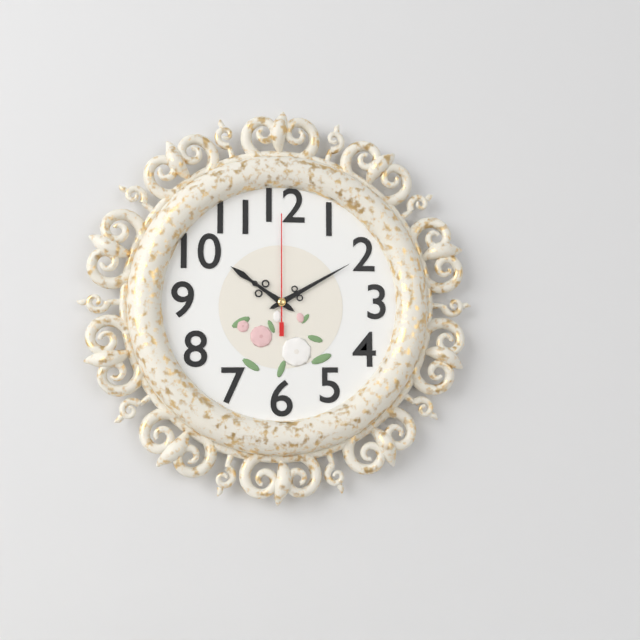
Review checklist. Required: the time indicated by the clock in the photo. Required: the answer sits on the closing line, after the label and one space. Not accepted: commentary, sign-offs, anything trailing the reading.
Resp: 10:10:00
